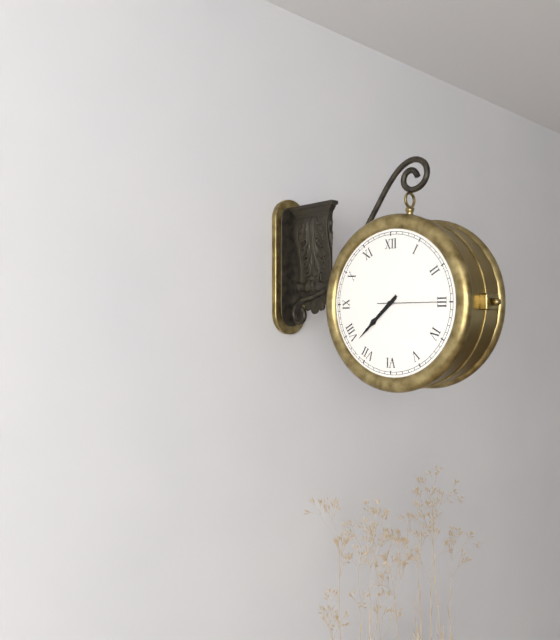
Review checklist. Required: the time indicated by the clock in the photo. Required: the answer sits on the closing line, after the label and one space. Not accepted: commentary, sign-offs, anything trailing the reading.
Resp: 7:38:15
